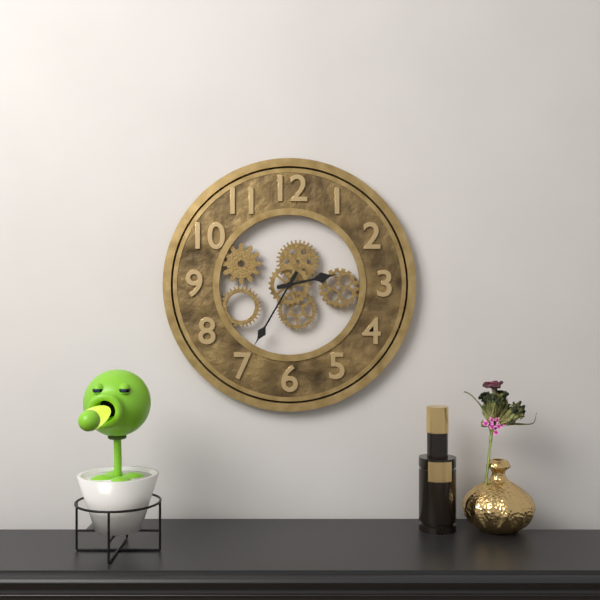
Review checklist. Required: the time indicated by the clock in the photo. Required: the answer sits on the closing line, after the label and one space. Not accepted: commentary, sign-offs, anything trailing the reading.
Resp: 2:35
